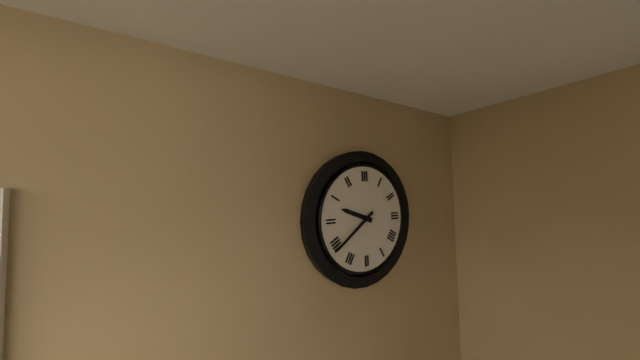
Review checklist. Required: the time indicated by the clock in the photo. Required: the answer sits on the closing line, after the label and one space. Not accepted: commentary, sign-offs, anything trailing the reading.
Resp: 9:39
